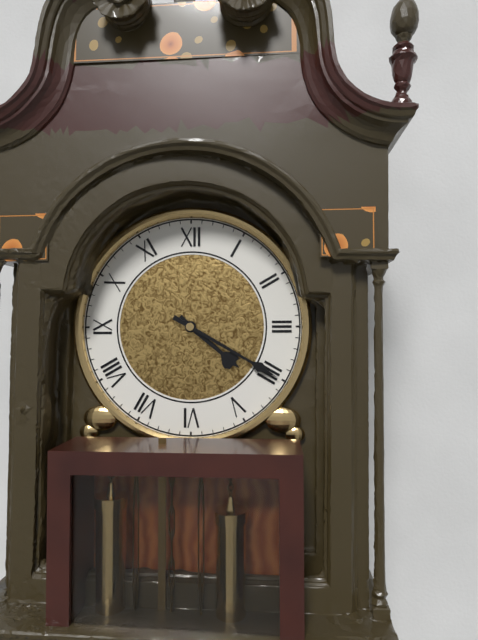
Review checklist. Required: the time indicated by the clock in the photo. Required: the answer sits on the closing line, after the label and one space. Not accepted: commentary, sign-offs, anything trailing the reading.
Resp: 4:20
